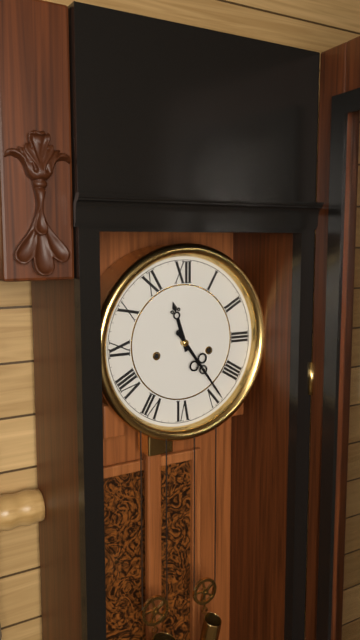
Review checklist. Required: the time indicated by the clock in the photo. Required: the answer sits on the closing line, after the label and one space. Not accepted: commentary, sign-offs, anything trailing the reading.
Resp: 11:24
